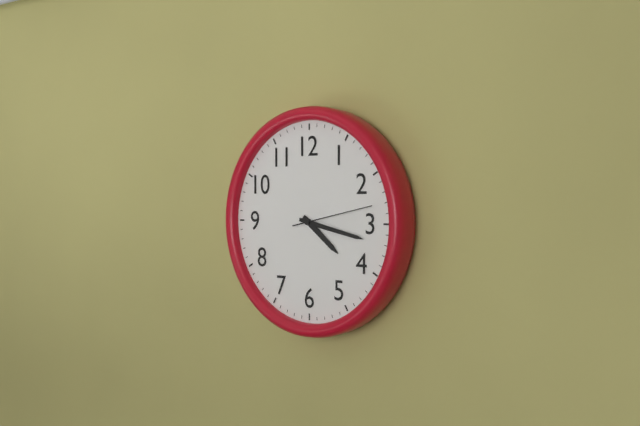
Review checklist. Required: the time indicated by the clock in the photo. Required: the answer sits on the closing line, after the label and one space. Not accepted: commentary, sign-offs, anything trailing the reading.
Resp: 4:17:13
